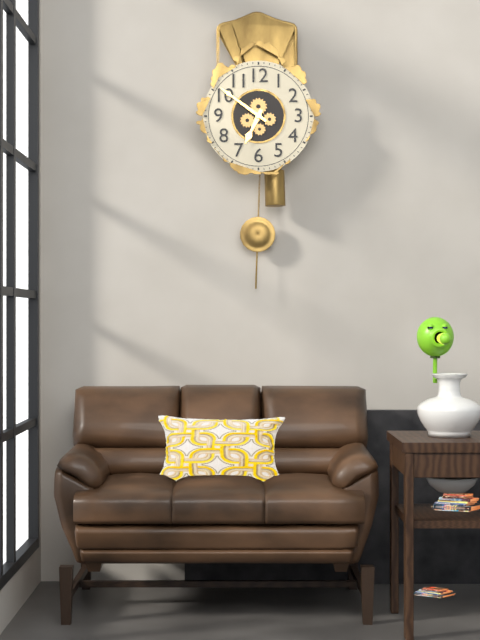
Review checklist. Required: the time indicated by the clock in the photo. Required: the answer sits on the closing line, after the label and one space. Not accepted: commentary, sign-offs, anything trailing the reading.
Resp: 6:51
